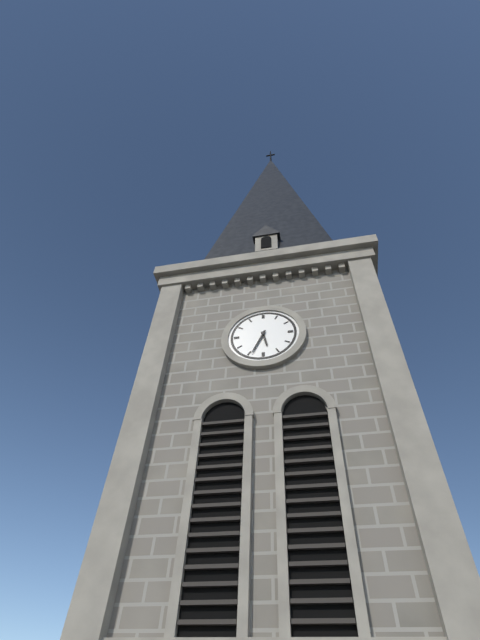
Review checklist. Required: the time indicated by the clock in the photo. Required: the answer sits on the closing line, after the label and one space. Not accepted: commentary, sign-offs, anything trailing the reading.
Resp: 5:34
